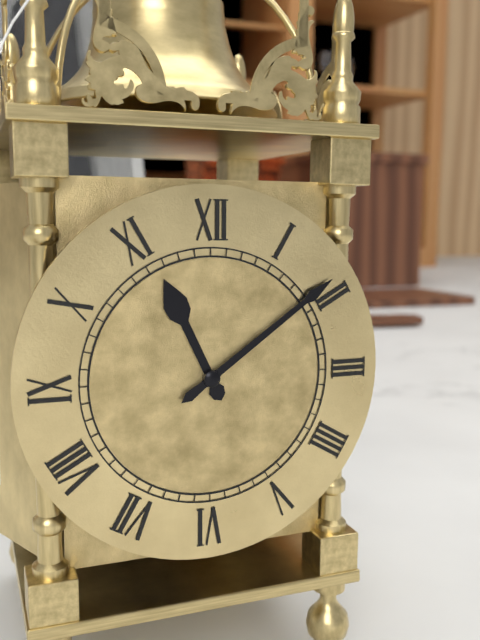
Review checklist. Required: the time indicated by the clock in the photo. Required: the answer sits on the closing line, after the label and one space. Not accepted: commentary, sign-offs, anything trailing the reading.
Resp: 11:09
